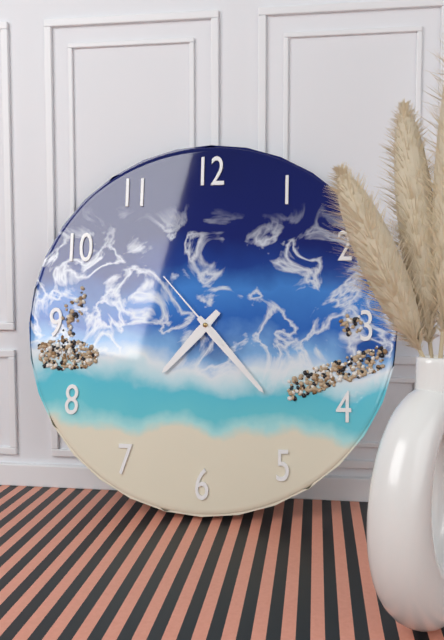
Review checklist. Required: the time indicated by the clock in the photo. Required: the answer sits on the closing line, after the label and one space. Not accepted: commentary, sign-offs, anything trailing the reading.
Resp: 7:23:53
